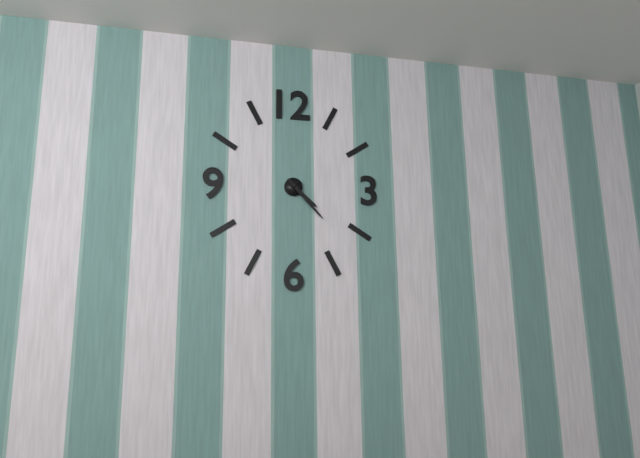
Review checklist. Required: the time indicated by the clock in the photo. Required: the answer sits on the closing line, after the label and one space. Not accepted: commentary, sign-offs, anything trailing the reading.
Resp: 4:23
